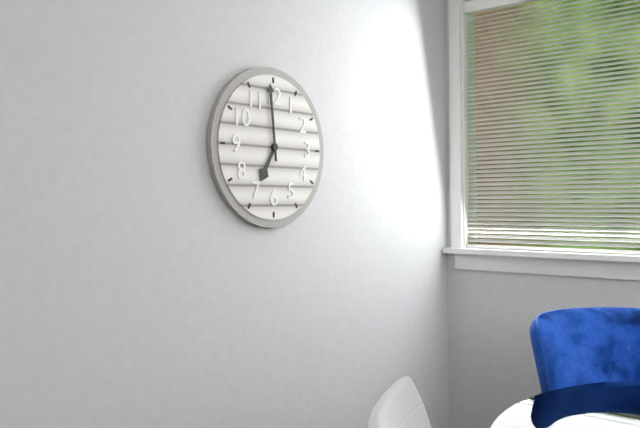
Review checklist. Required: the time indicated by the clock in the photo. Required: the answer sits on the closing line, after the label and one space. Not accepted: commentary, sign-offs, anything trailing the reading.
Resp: 6:59
